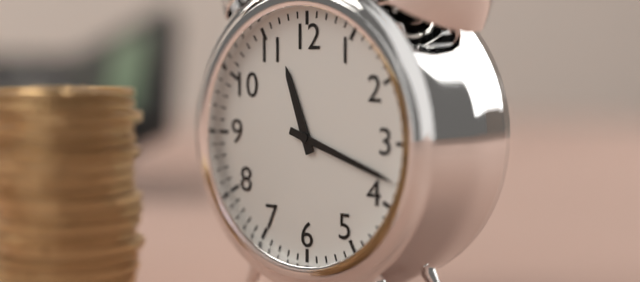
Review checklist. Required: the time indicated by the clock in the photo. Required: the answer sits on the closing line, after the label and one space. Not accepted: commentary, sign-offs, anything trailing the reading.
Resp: 11:18
